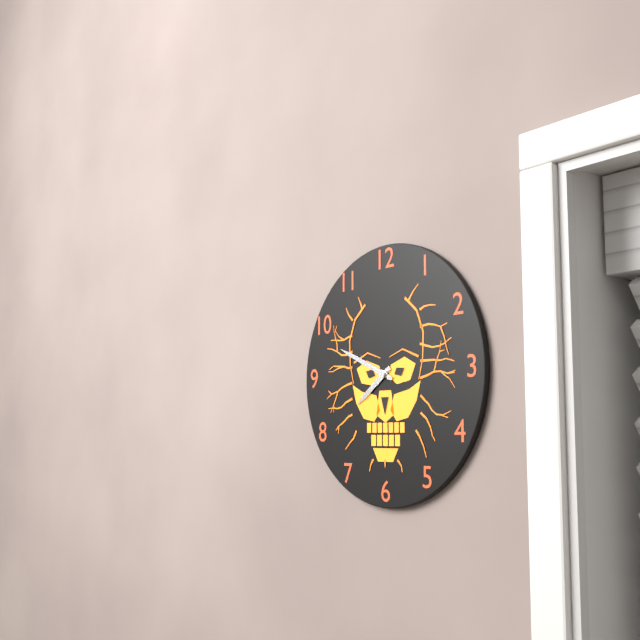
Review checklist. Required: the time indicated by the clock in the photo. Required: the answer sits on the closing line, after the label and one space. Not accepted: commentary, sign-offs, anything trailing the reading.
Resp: 7:49
